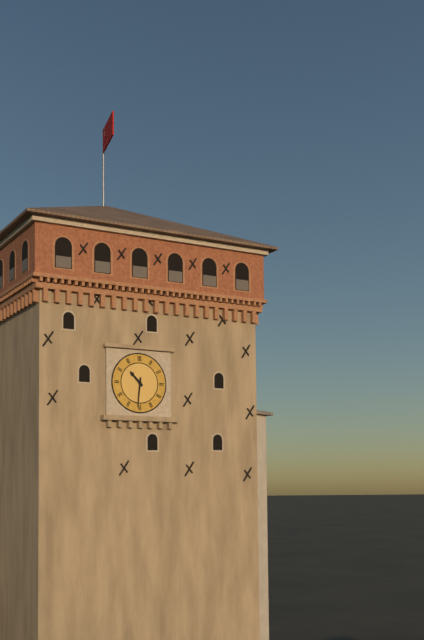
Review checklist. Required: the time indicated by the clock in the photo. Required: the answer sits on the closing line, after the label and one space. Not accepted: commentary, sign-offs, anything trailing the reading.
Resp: 10:31
